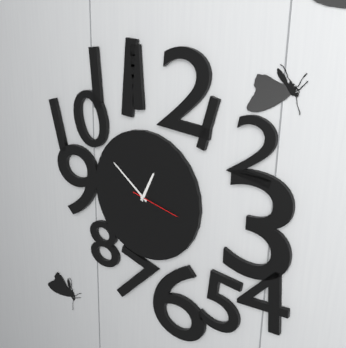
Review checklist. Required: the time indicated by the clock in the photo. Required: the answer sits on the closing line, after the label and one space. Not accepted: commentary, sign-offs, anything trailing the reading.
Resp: 12:51:17
